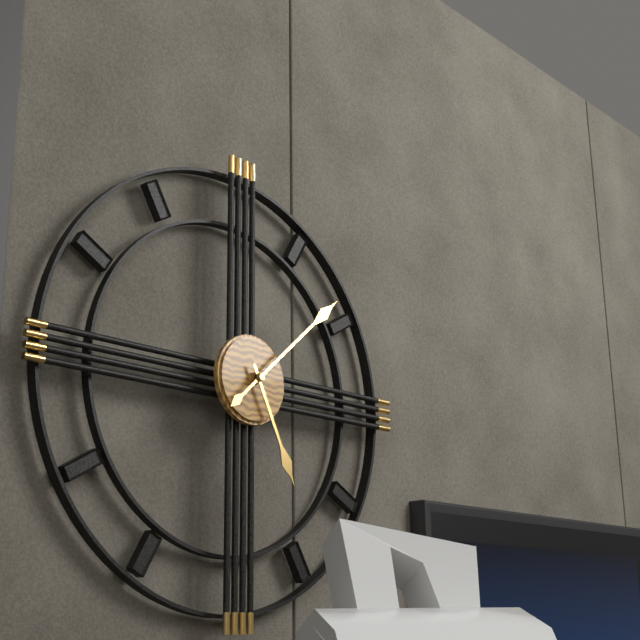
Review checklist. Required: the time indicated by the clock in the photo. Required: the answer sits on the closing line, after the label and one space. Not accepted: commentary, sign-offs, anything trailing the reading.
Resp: 5:08
